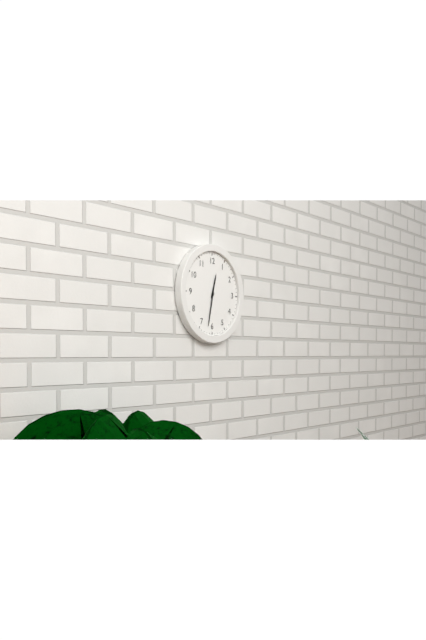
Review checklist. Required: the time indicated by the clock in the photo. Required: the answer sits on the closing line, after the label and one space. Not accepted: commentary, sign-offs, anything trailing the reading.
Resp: 12:32
